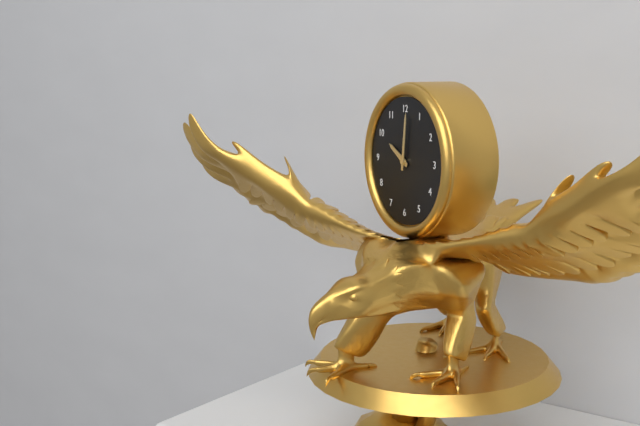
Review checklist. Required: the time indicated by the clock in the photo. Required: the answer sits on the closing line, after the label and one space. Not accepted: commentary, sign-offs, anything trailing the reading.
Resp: 10:01
